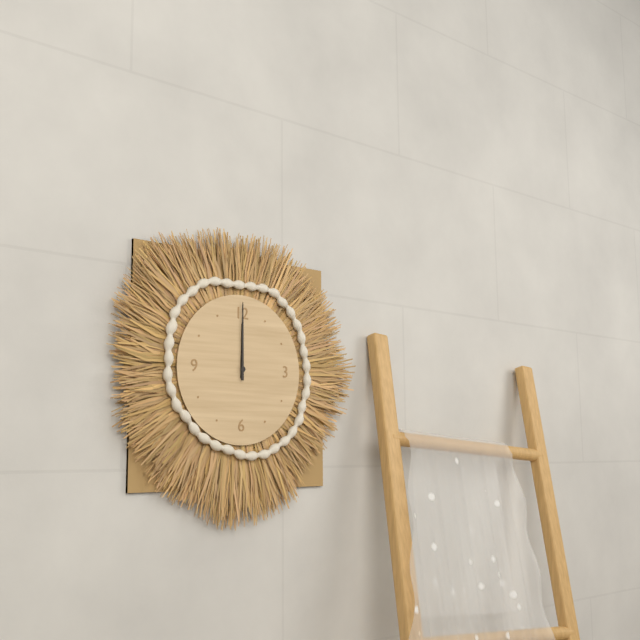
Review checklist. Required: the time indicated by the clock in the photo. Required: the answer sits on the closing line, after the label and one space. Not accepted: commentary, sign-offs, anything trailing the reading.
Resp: 12:00
